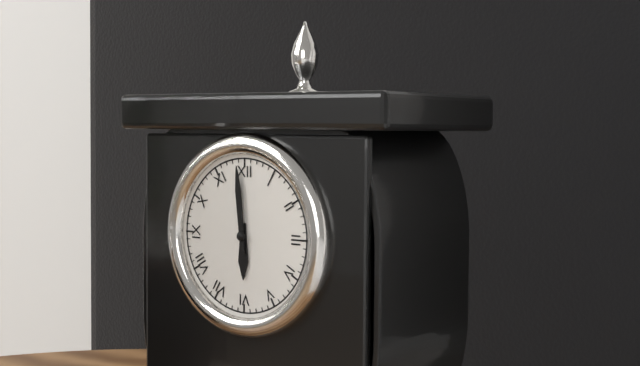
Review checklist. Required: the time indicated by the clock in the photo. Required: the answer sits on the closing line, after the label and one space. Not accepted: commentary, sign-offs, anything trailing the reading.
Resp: 5:59
